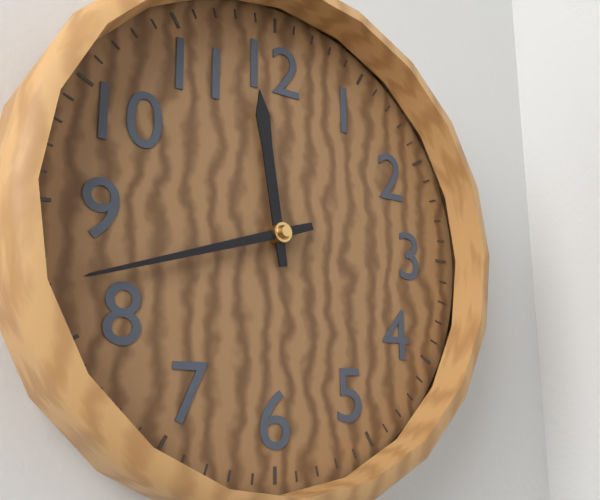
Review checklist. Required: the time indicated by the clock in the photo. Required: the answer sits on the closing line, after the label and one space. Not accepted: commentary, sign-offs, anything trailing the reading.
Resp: 11:42
